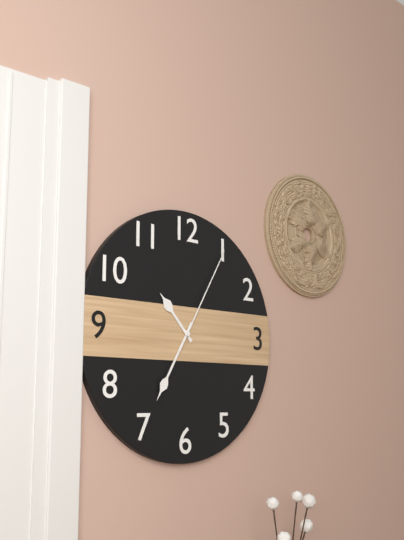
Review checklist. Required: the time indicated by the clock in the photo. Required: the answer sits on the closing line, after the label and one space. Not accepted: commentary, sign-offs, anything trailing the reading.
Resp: 10:35:05
